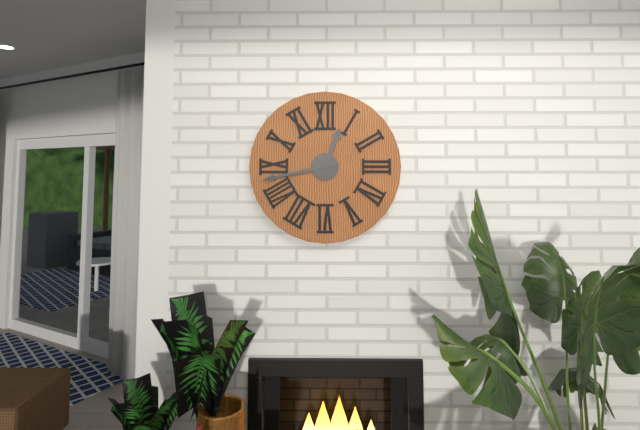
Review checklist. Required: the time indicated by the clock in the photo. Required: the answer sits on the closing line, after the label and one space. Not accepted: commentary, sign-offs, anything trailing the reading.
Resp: 12:43
